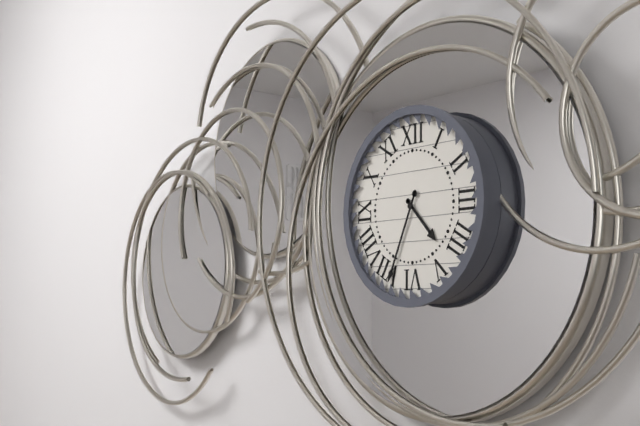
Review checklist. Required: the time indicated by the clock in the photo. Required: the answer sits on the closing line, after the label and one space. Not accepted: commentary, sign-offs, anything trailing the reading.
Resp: 4:34
